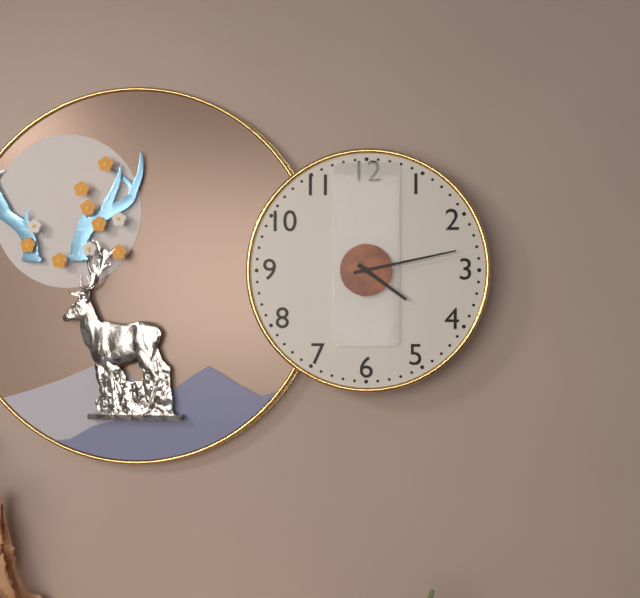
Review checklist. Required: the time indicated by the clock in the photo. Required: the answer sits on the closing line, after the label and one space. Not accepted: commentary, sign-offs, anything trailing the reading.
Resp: 4:13
